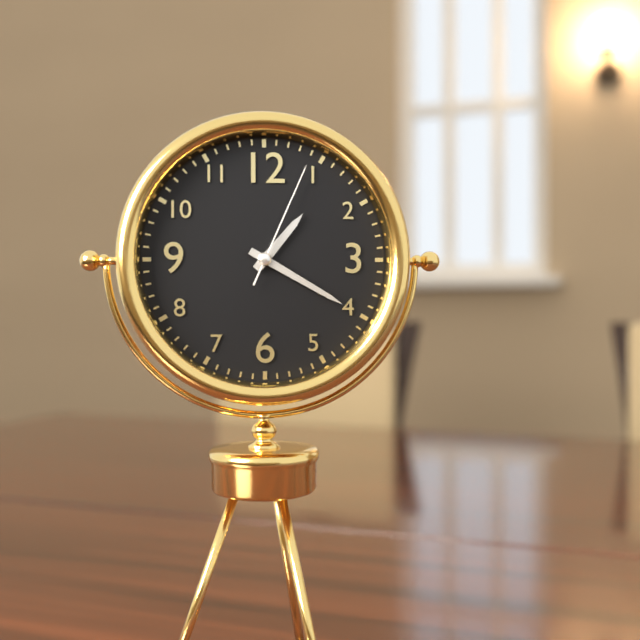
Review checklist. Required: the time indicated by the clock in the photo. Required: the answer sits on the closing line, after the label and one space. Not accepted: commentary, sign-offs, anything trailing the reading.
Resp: 1:20:04
